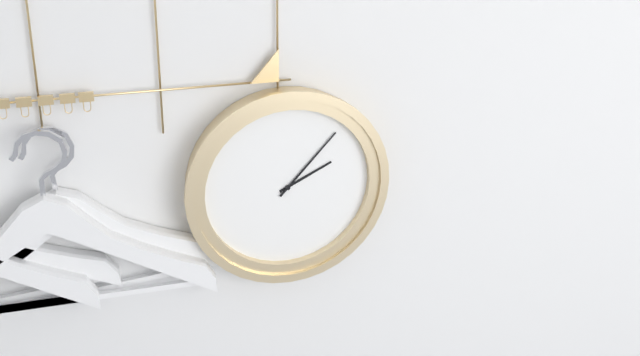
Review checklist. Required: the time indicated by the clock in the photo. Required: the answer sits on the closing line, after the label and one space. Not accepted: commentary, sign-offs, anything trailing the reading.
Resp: 2:07
